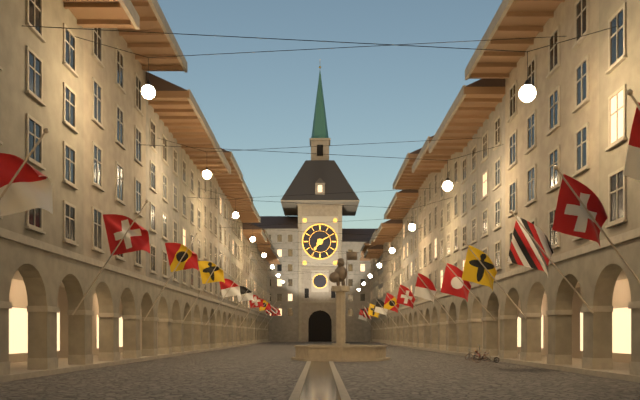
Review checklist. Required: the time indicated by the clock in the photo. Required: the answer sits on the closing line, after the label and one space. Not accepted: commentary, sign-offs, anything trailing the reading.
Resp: 7:10
